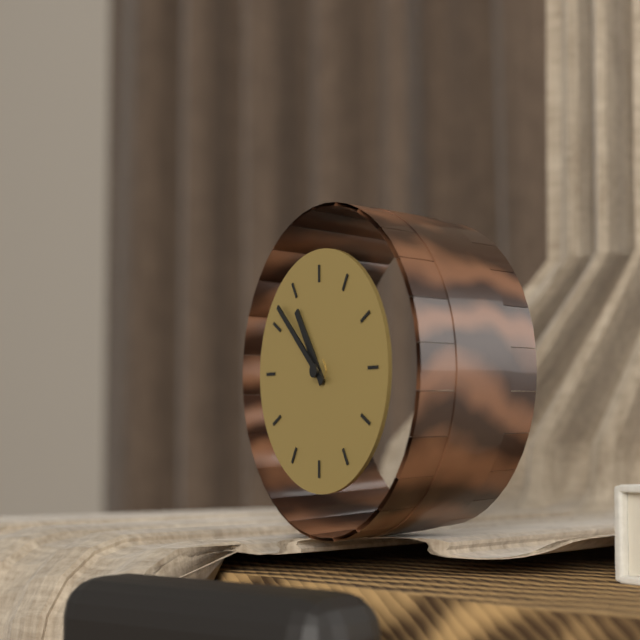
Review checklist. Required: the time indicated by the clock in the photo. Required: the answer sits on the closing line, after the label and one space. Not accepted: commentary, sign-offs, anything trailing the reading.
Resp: 10:52
